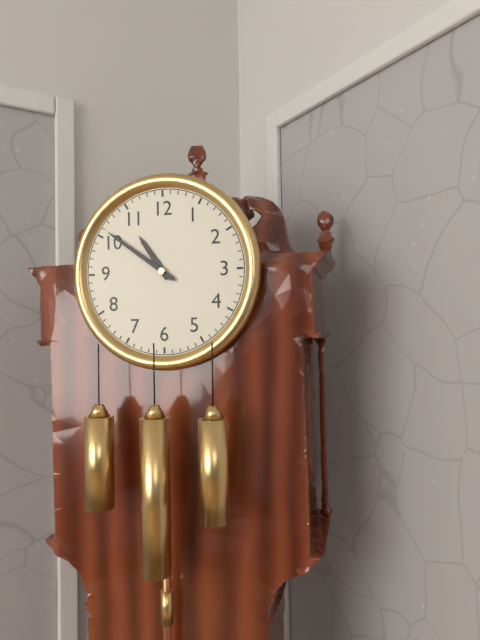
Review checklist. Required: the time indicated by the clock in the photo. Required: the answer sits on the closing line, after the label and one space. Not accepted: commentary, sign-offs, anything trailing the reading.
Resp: 10:51
